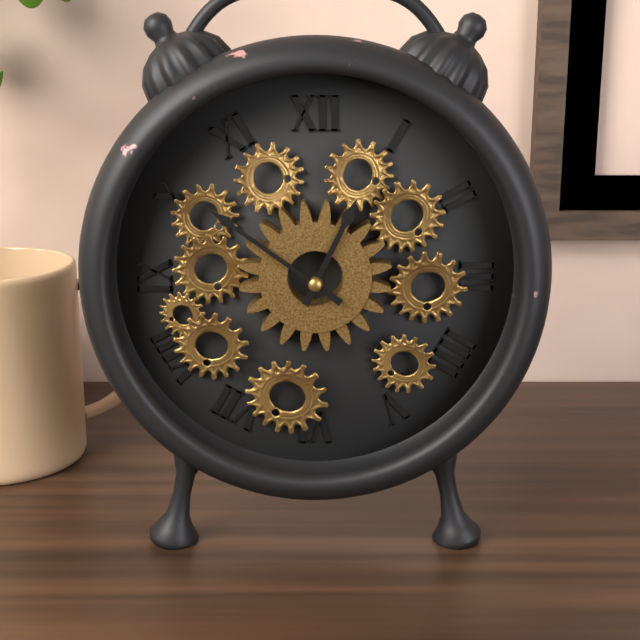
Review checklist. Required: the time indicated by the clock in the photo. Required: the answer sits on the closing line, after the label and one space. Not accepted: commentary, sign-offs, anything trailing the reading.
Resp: 12:51
